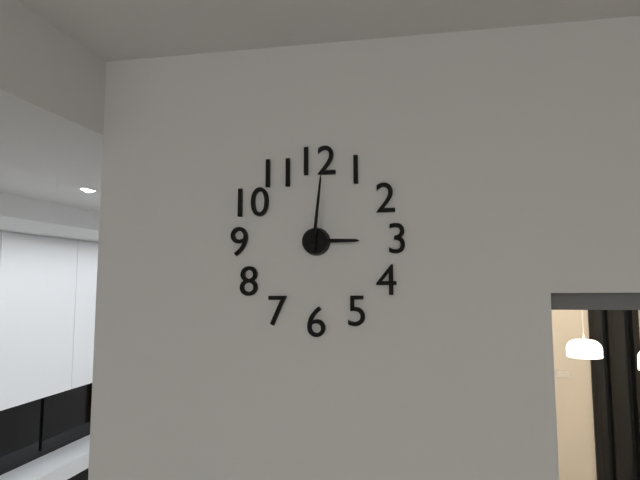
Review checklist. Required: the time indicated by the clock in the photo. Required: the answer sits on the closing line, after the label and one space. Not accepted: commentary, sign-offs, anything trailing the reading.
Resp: 3:01
